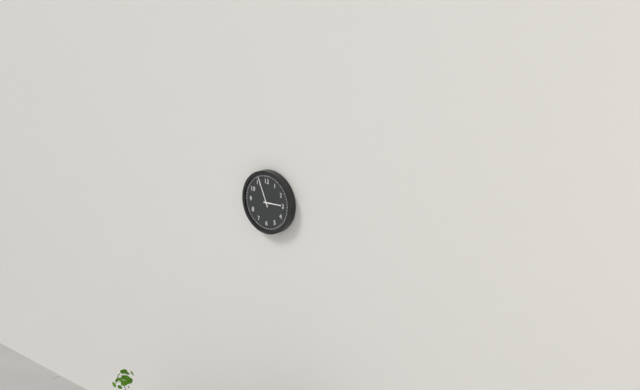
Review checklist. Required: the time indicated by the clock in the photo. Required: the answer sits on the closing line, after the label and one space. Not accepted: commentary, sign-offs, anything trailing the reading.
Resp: 2:56
